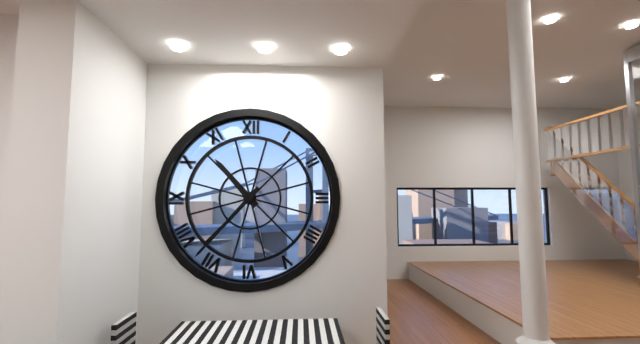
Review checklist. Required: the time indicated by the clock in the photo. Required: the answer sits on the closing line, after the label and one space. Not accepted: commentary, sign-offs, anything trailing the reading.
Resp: 10:37
